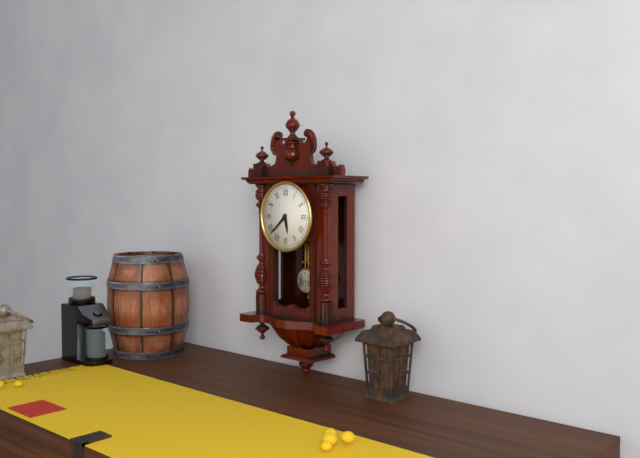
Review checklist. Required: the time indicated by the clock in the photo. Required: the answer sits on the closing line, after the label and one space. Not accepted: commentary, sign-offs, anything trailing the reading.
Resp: 5:38
